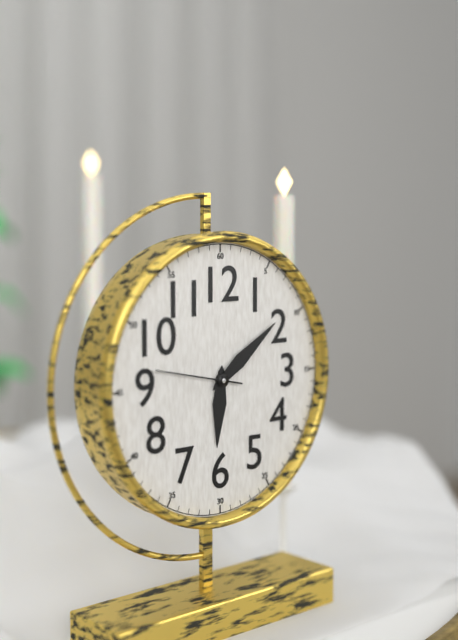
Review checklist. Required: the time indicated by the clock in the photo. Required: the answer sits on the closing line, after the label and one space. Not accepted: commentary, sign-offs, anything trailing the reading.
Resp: 6:09:47
